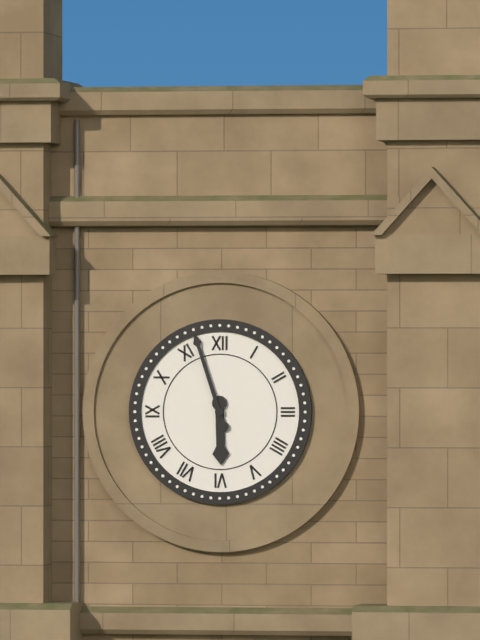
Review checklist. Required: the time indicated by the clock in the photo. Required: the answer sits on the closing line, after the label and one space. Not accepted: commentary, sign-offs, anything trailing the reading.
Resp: 5:57
